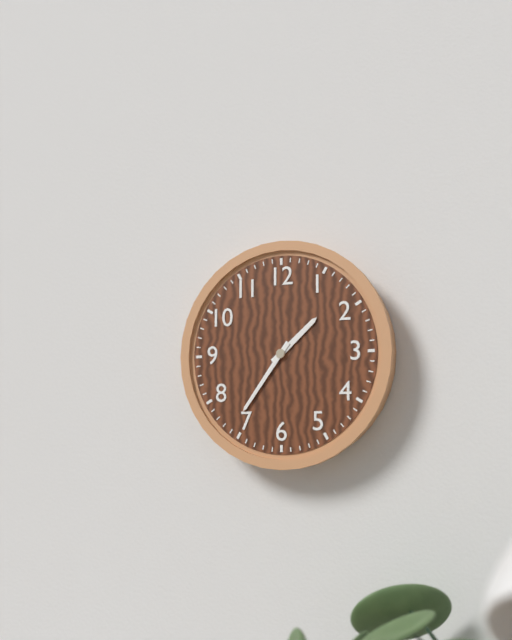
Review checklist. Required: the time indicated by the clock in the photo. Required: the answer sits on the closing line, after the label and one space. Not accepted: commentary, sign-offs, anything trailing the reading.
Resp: 1:36
